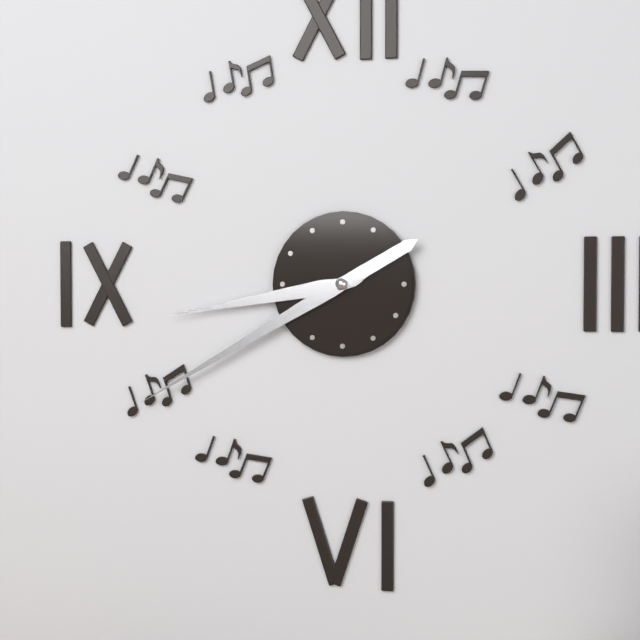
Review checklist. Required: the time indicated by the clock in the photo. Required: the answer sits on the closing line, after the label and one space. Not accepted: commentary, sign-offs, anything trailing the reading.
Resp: 8:40
